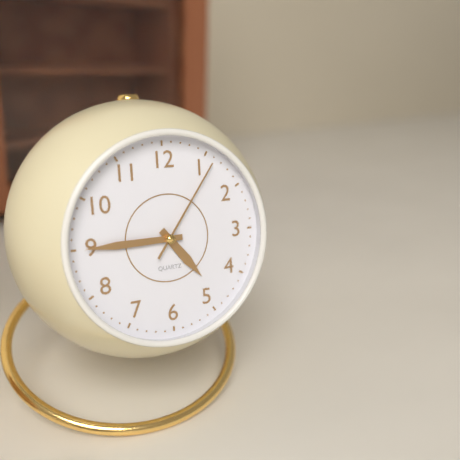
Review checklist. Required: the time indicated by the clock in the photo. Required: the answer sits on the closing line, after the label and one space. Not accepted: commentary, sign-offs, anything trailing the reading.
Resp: 4:45:06
